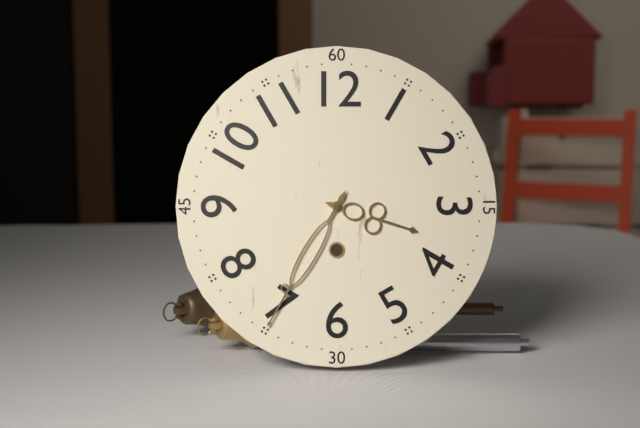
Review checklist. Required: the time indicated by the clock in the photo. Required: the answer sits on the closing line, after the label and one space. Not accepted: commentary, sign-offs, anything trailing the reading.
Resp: 3:35
